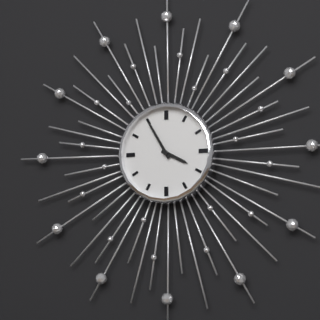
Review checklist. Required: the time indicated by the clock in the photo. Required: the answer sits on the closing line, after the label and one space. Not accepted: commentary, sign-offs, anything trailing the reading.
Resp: 3:55
